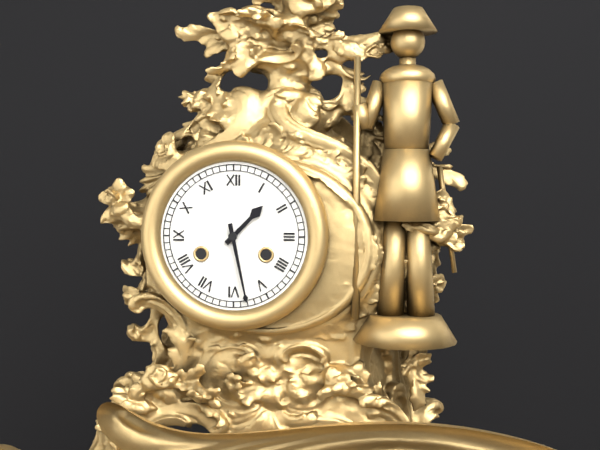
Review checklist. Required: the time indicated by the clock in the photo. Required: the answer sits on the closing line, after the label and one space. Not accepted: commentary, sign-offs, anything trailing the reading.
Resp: 1:28
